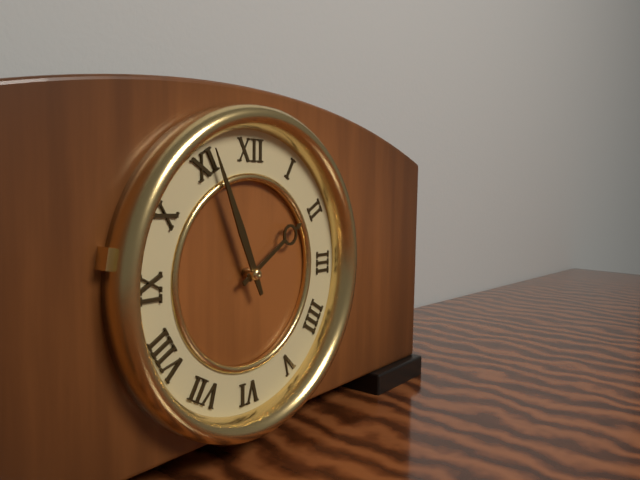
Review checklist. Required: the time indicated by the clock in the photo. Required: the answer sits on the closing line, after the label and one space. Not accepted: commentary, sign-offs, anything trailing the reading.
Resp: 1:56
